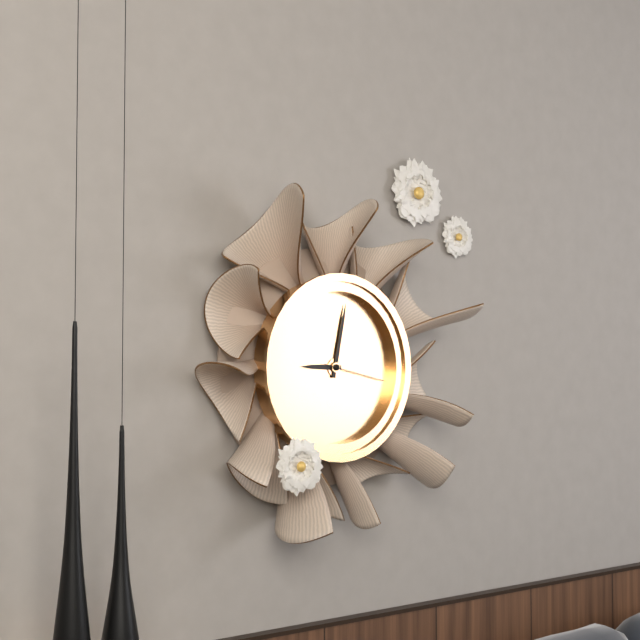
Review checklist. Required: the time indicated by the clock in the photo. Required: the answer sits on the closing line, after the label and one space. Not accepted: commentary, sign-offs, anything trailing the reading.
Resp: 9:02:17
